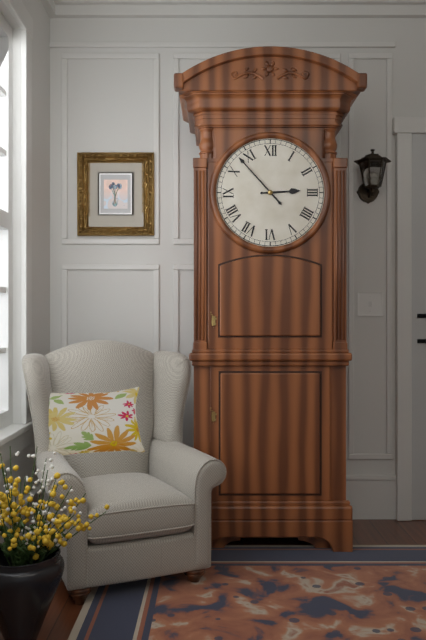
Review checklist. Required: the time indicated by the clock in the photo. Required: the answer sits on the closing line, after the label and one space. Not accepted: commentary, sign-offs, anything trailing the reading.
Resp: 2:53
